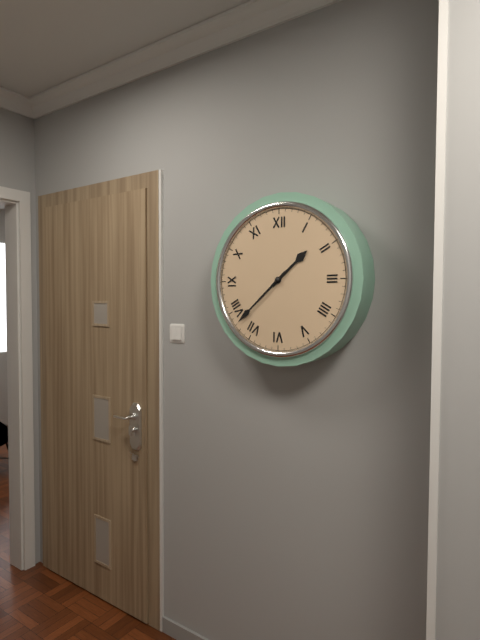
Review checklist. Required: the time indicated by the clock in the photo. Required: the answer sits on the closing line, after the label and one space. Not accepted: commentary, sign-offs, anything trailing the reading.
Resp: 1:38
